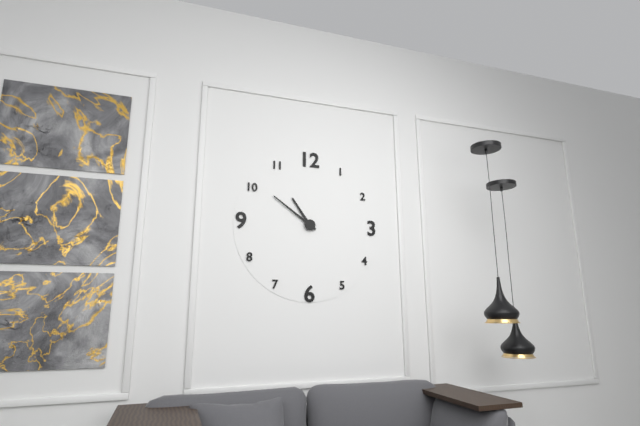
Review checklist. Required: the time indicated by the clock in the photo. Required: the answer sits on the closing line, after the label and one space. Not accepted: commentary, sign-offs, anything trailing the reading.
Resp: 10:51
